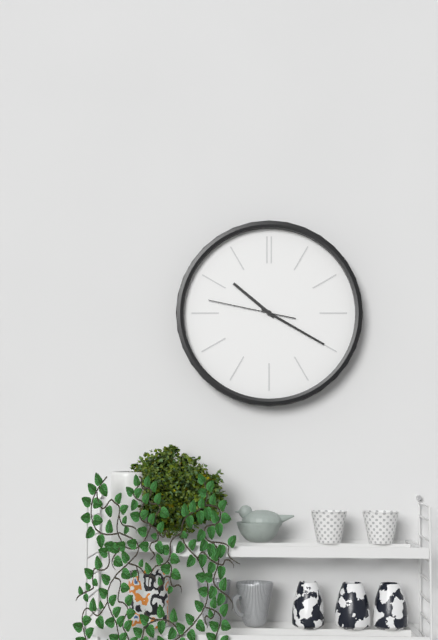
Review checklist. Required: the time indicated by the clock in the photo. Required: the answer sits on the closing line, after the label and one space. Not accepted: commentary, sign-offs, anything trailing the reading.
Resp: 10:20:47
